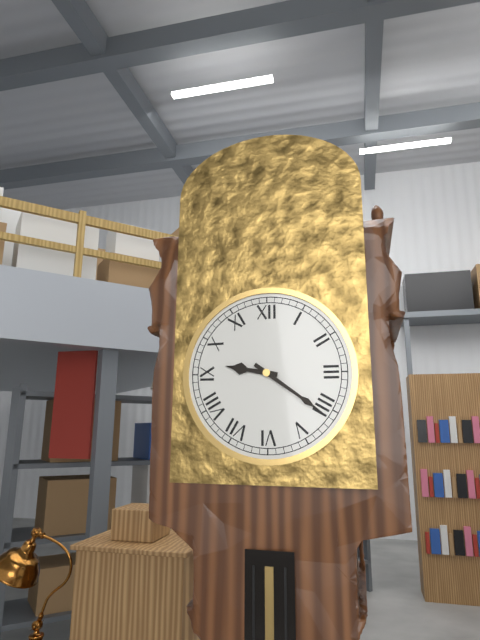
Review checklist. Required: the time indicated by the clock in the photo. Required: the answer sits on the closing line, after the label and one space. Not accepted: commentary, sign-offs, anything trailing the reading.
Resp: 9:21
